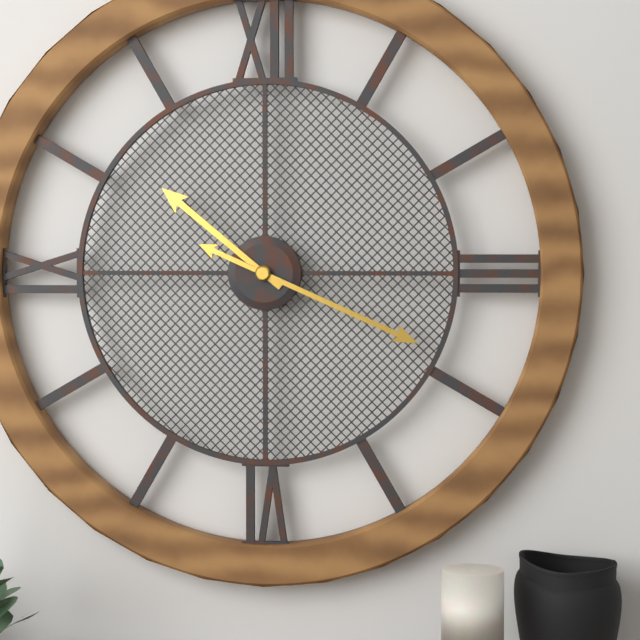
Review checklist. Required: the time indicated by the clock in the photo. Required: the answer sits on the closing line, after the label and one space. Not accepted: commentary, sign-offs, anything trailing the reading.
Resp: 10:19
